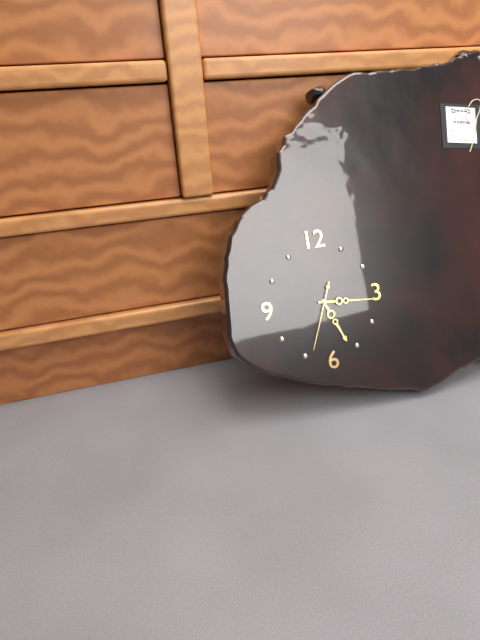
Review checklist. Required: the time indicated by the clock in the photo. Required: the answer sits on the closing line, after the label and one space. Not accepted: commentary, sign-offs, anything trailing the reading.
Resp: 5:16:34
